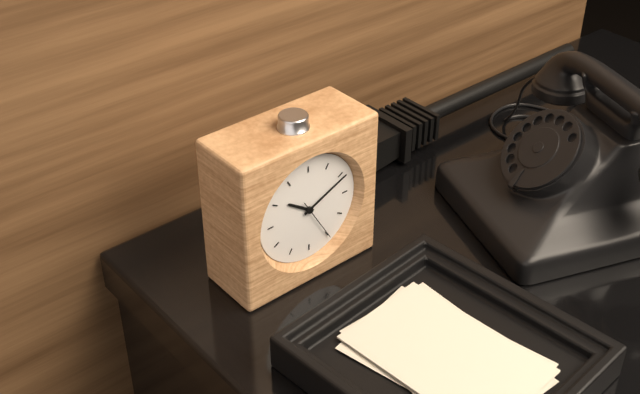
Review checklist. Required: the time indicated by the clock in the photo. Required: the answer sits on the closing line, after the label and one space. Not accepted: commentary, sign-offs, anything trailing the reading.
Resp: 10:11
